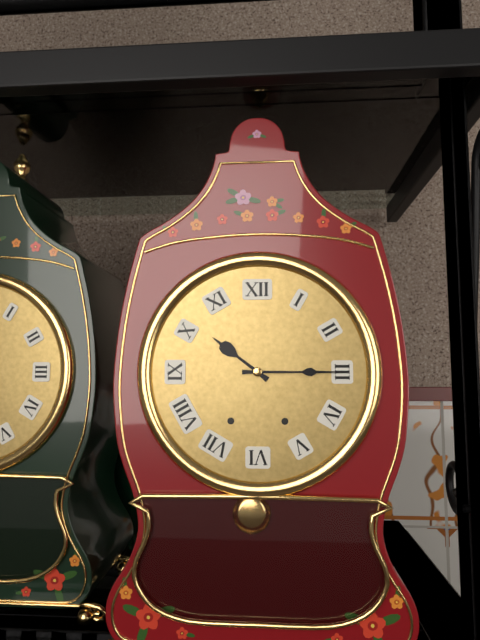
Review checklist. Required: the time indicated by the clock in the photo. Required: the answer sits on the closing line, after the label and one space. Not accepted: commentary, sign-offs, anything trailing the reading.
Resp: 10:15
